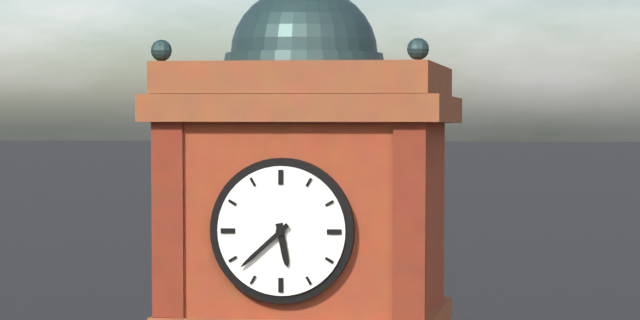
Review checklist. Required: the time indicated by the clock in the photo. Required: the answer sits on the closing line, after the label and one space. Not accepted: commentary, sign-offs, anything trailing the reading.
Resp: 5:38
